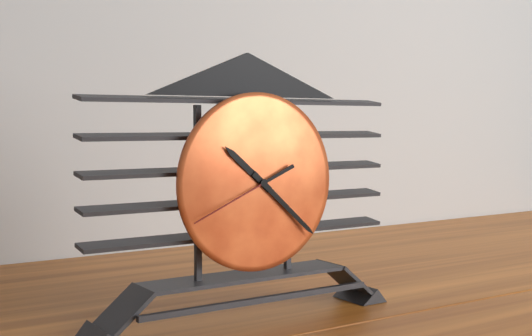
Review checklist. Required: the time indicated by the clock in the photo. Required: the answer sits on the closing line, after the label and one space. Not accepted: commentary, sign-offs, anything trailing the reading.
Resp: 10:22:41
